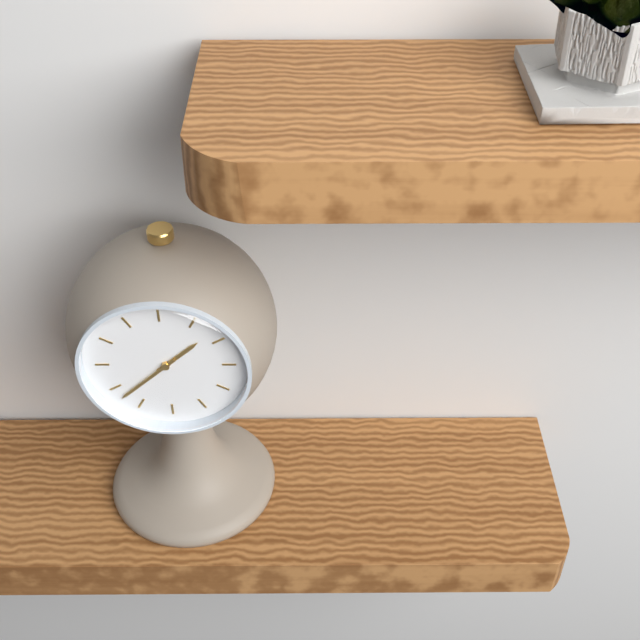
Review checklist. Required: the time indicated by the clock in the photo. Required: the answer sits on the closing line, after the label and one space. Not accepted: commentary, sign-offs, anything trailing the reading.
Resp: 1:38
